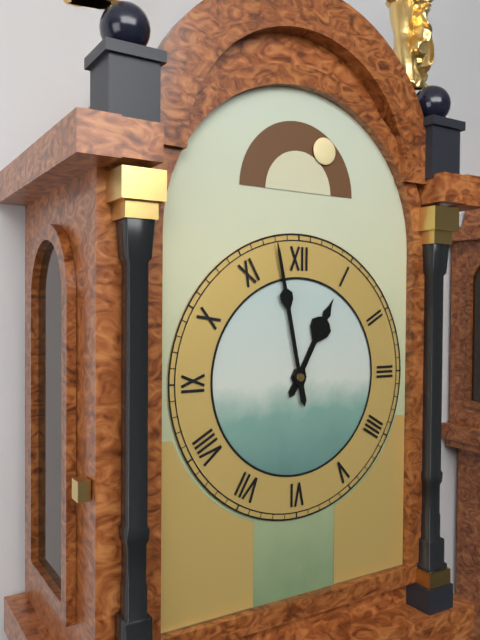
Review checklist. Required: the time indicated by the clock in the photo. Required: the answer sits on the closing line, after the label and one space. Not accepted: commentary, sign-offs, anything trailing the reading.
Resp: 12:58
